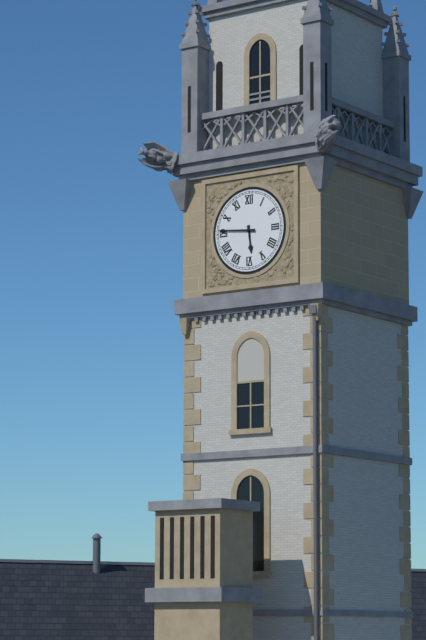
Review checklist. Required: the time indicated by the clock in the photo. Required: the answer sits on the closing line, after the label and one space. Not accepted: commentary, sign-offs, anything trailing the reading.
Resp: 5:46
